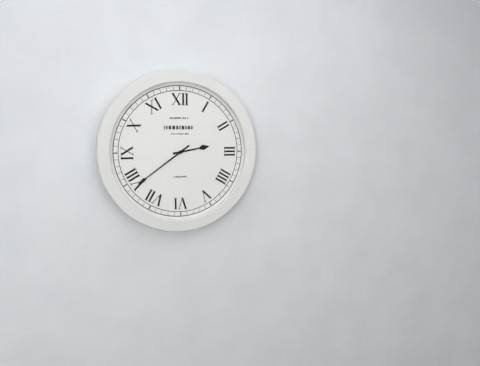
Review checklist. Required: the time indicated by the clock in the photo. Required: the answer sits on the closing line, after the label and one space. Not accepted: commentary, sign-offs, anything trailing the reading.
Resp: 2:39
